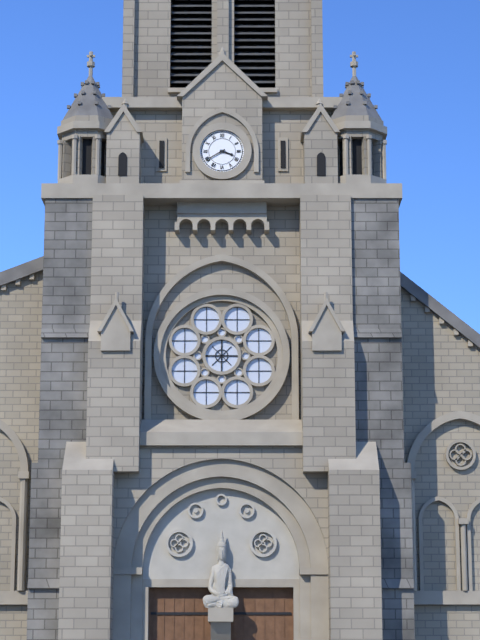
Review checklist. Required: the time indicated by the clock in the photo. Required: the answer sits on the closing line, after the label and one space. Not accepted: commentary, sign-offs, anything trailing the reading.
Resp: 3:40
